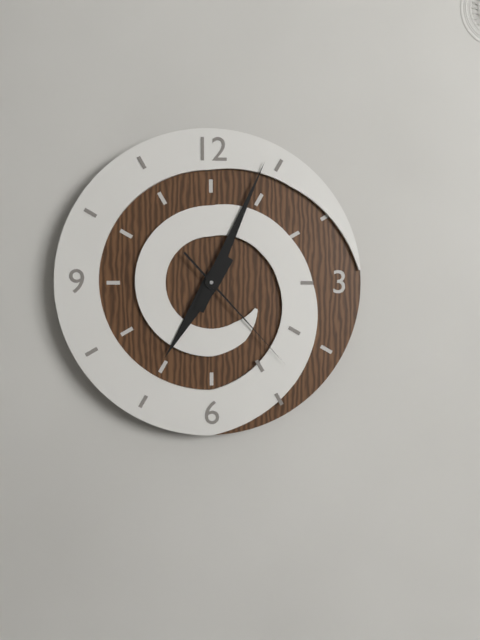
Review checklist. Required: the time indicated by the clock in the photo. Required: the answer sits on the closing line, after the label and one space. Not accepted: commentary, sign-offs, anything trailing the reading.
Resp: 7:04:23
